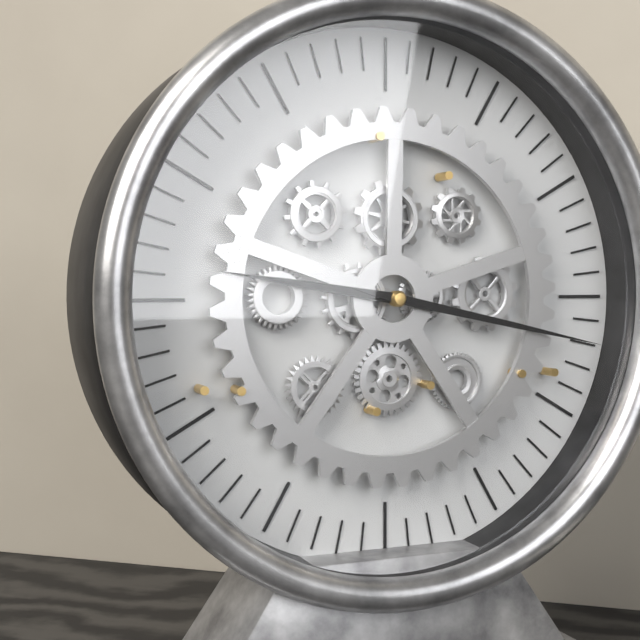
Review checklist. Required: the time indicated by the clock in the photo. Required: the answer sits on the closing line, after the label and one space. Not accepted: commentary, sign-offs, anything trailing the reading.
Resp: 9:17
